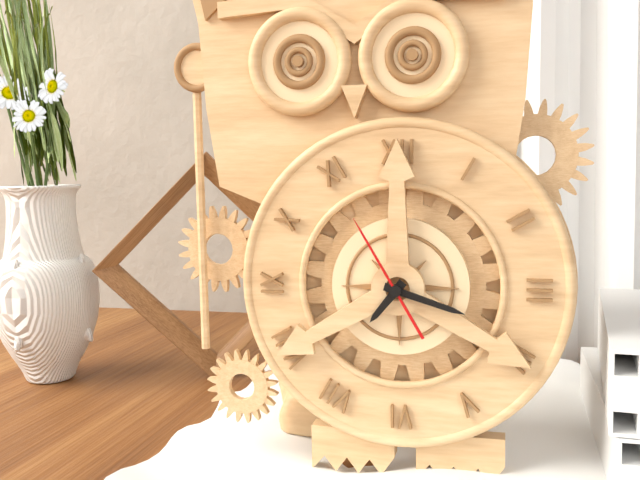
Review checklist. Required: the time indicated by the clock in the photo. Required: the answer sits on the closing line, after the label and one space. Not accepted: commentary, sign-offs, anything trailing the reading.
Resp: 7:18:55
